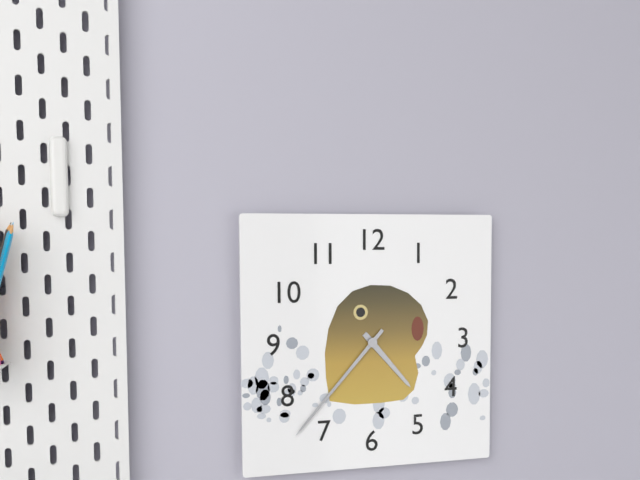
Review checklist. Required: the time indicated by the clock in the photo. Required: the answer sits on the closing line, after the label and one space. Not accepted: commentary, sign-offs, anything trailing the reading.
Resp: 4:37
